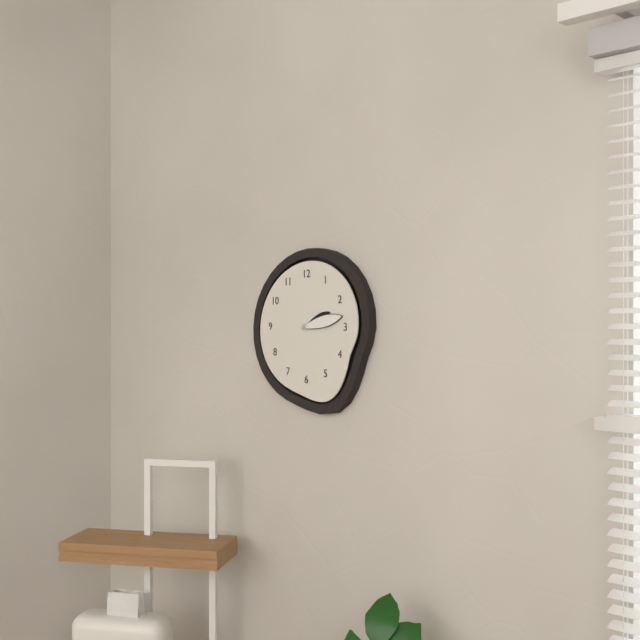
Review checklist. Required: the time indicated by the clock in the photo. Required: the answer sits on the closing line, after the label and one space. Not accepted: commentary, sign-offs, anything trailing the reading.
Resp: 2:13
